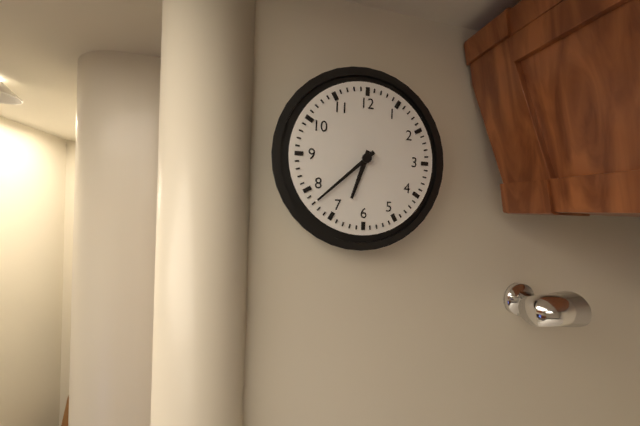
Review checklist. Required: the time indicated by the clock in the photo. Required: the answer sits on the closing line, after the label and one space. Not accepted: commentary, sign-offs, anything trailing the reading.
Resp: 6:38
